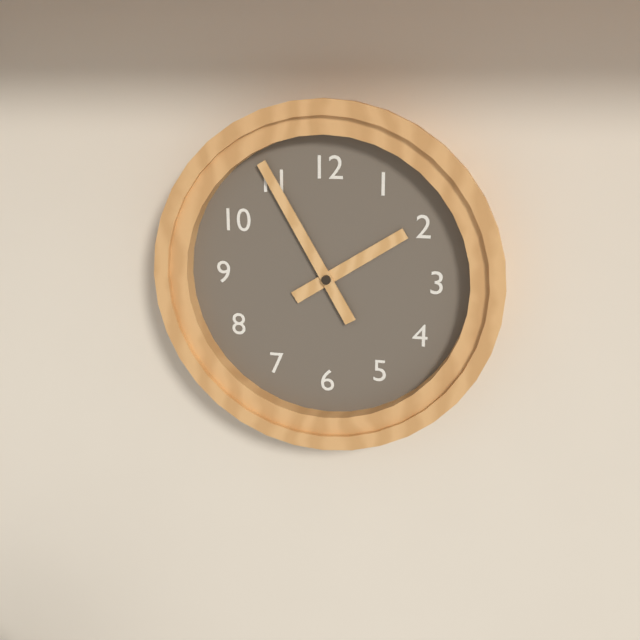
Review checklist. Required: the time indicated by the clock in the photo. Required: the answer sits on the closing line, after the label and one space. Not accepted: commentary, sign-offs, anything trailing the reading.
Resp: 1:55
